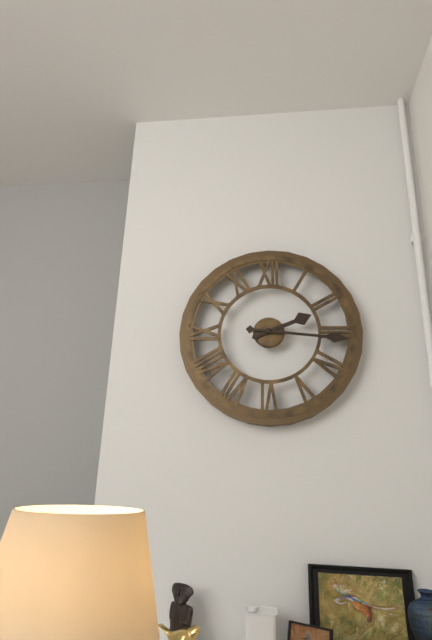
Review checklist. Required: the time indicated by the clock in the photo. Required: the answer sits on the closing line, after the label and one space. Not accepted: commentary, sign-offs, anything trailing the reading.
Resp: 2:16
